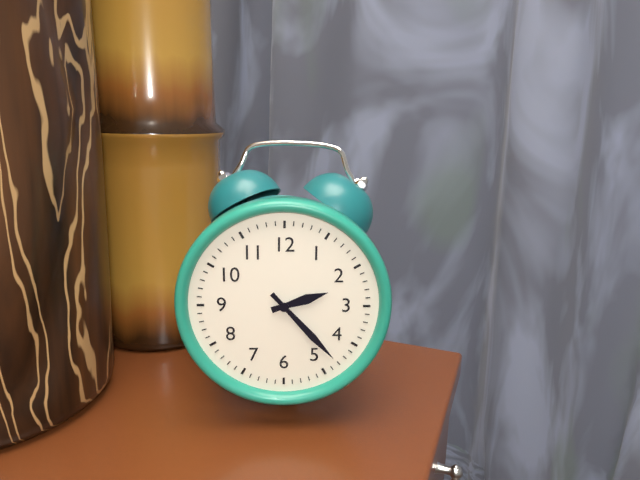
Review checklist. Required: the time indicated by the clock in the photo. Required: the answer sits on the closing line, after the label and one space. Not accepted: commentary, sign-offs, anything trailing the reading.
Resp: 2:23
